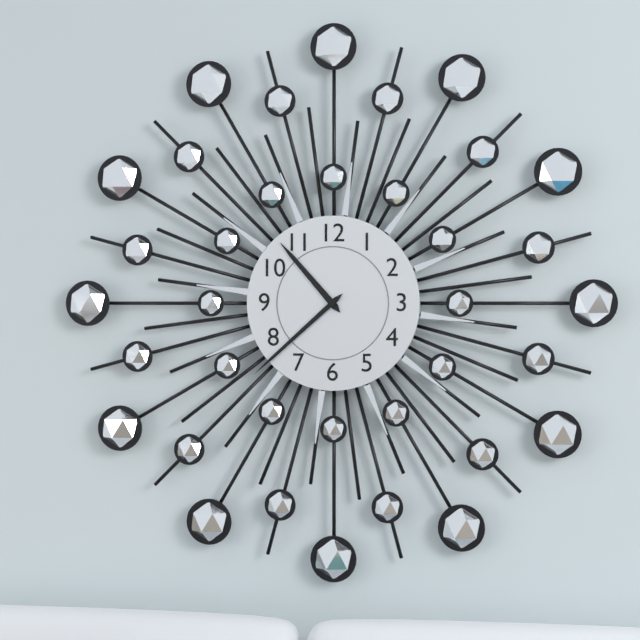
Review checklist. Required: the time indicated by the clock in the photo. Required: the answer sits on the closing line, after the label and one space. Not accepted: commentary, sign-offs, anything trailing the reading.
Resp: 10:38
